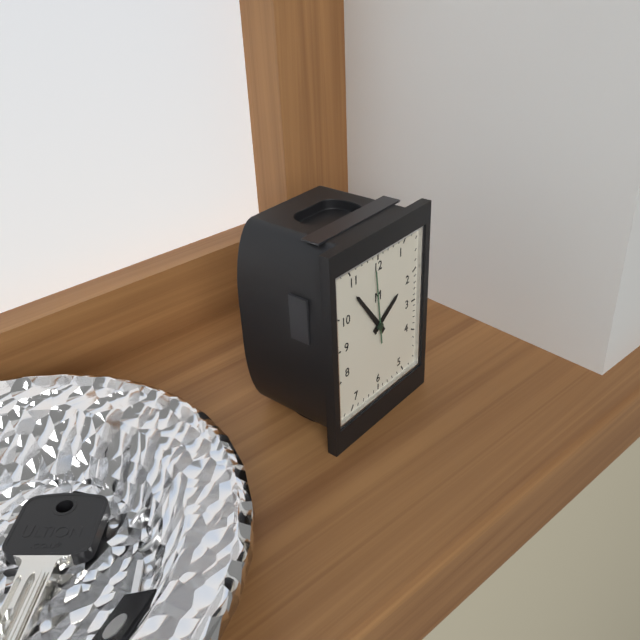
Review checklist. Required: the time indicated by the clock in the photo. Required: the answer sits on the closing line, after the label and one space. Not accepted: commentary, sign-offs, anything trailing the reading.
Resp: 1:54:59
